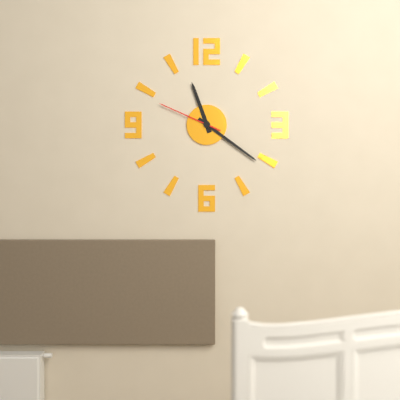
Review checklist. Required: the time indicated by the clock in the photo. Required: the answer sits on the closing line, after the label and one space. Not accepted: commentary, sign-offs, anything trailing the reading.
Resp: 11:21:49
